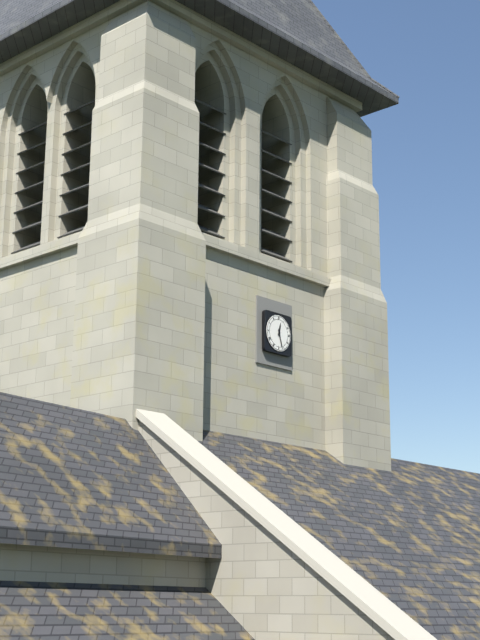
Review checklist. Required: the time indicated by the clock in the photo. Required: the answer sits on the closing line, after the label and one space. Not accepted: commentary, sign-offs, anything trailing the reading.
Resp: 12:27
